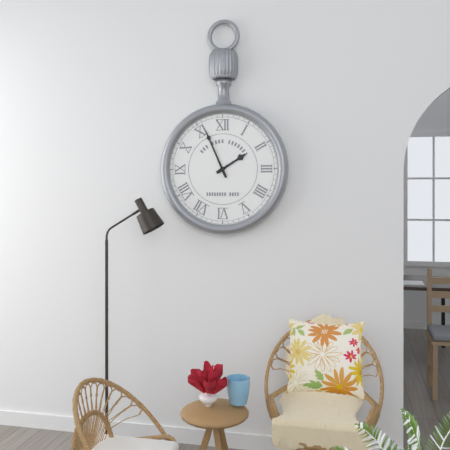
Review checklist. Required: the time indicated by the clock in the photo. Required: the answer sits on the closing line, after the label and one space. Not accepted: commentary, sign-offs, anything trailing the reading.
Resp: 1:56
